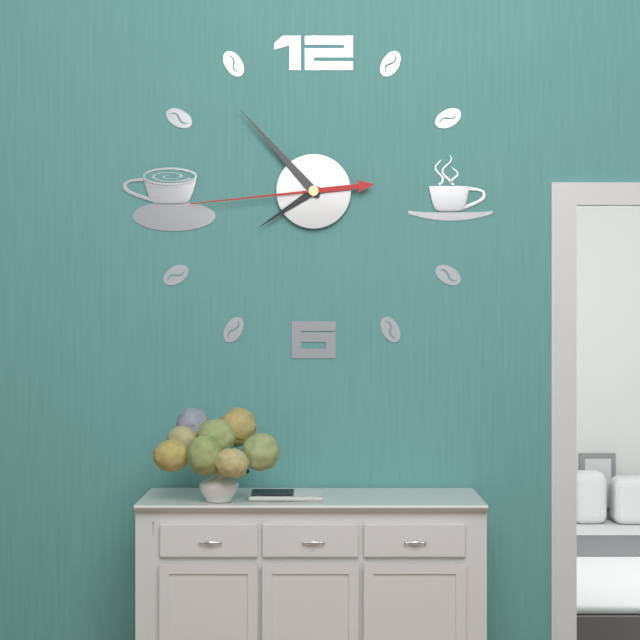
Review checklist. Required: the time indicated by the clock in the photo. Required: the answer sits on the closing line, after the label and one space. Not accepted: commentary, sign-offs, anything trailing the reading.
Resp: 7:53:44
